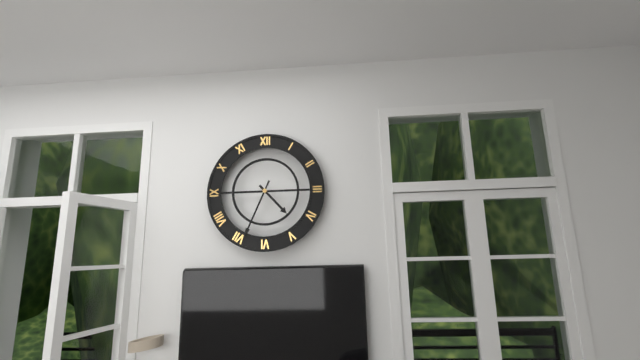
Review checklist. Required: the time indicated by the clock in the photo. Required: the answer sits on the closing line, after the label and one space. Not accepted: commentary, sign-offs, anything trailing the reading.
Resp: 4:34
